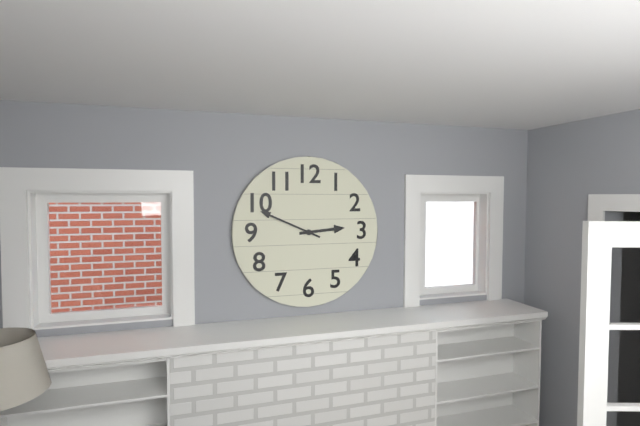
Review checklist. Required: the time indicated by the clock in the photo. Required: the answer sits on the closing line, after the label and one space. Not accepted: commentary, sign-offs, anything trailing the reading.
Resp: 2:49
